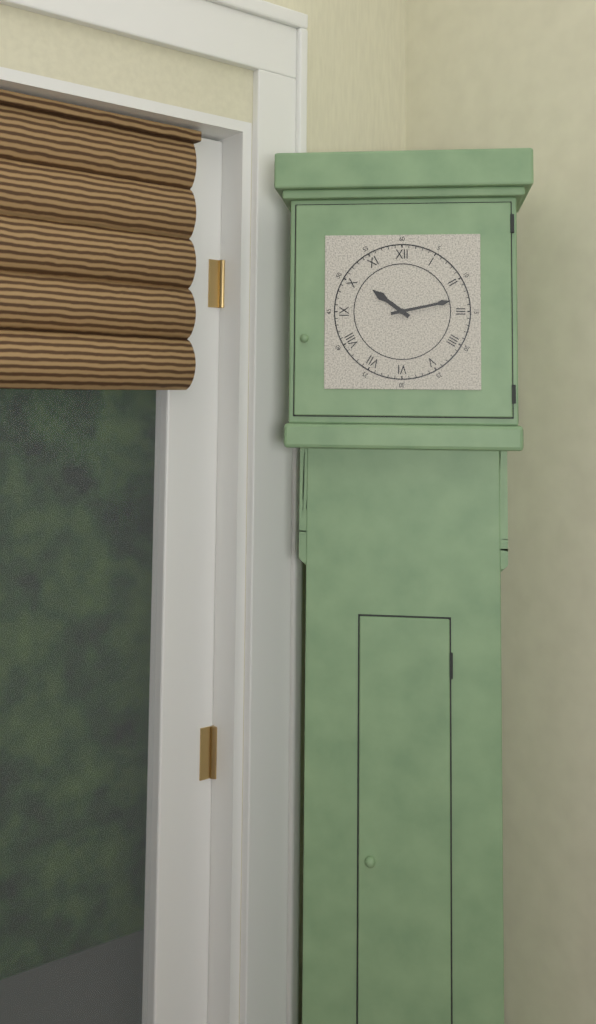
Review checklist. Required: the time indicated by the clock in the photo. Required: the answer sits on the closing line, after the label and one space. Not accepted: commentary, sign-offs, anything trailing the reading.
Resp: 10:13
